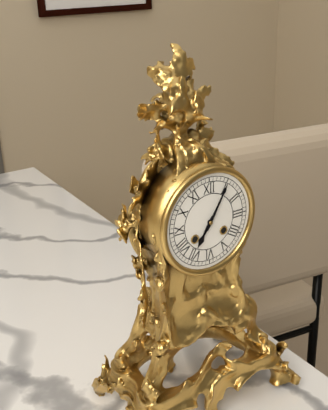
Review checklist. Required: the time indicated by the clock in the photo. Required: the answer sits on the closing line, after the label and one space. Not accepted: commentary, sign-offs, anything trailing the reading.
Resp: 7:05
